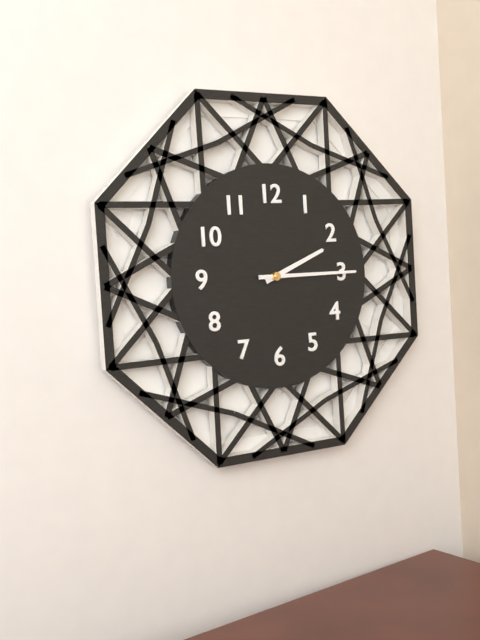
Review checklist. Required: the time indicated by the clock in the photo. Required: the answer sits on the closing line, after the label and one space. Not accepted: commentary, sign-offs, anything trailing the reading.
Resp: 2:15
